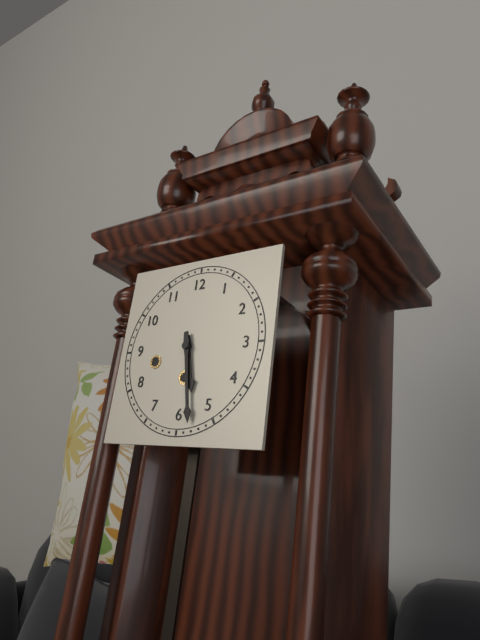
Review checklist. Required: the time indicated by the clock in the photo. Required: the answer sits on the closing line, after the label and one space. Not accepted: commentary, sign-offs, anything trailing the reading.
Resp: 5:28
